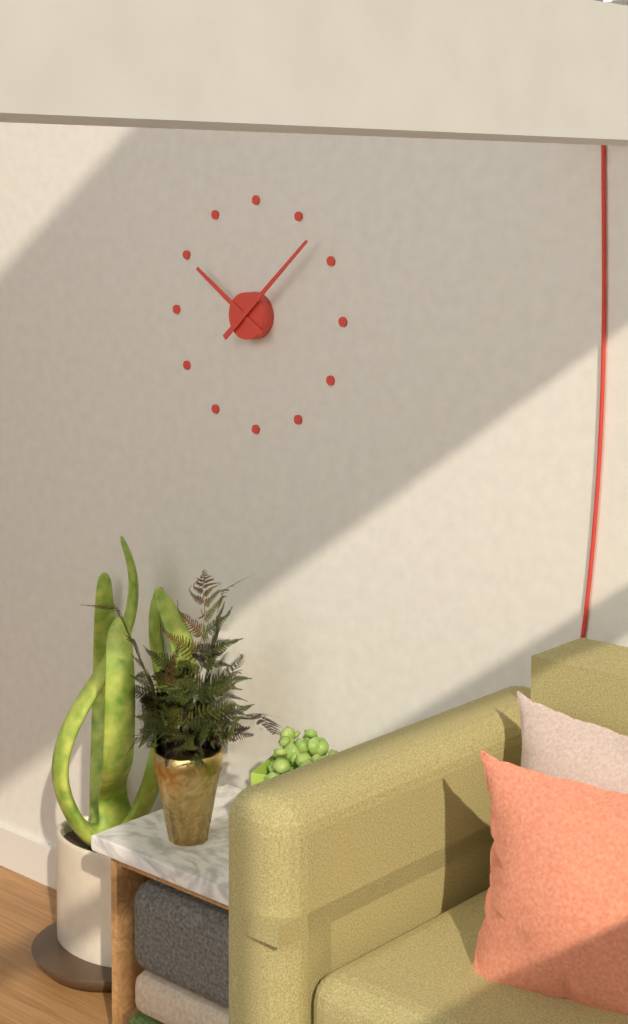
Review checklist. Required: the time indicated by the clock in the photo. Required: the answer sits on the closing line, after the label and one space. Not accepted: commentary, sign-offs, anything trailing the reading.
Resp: 10:08
